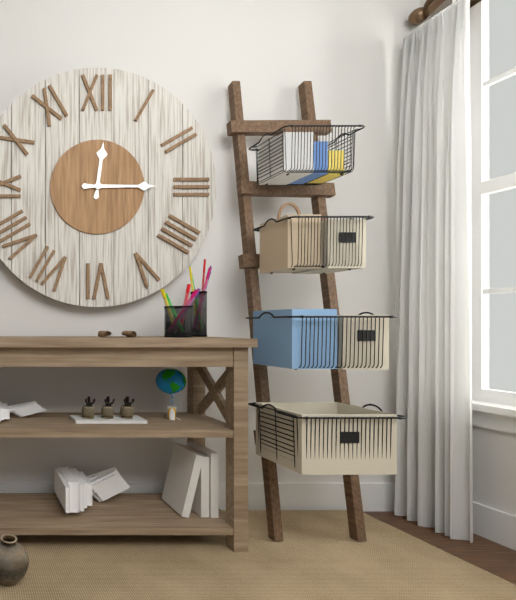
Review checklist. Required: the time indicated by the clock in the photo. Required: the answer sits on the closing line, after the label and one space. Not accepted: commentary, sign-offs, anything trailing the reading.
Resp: 12:15
